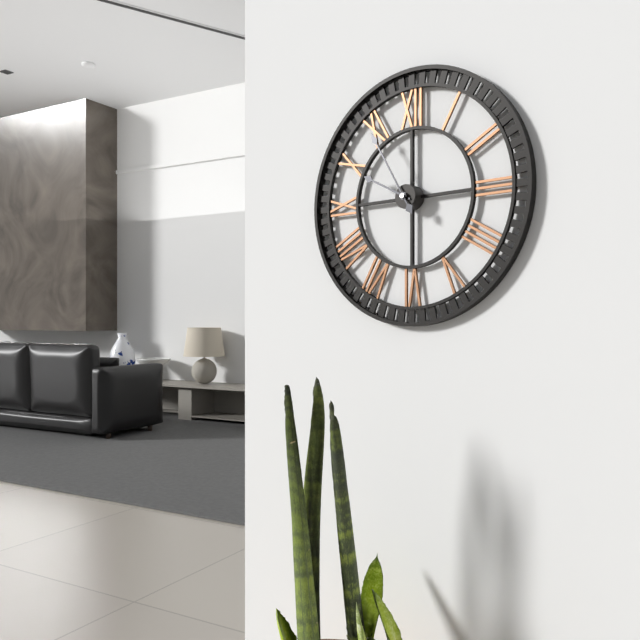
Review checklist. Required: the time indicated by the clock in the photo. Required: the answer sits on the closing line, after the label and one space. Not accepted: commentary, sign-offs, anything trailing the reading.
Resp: 9:55
